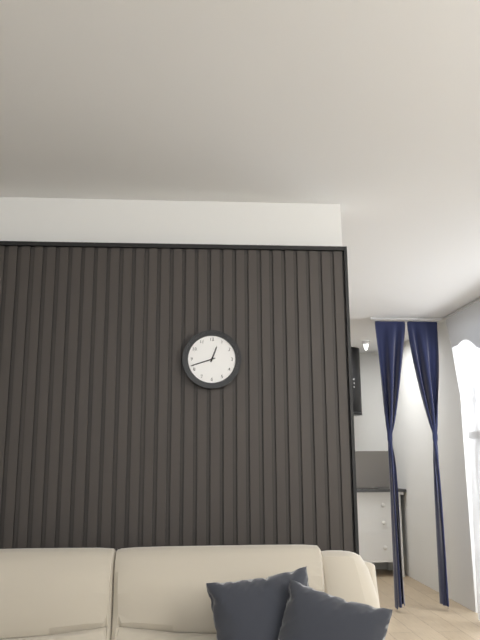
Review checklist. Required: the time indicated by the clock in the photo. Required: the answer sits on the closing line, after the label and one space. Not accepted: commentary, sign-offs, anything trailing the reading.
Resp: 12:42
